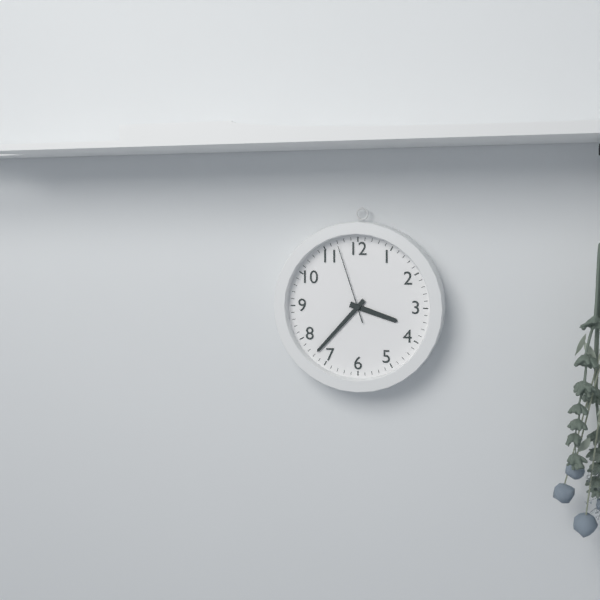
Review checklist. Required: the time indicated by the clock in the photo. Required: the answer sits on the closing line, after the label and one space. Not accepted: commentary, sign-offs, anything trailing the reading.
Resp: 3:37:57
